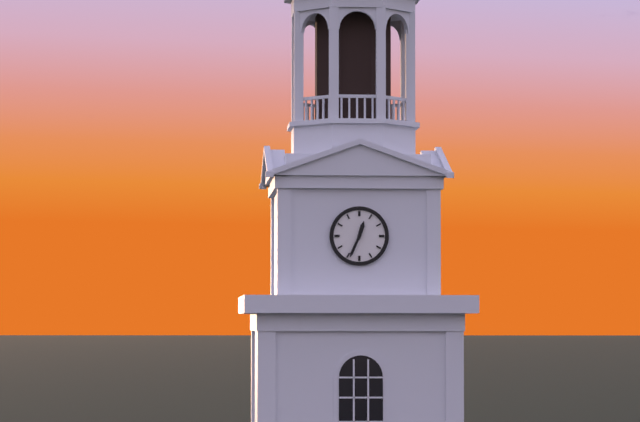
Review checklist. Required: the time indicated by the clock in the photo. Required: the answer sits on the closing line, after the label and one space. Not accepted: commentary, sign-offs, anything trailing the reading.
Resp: 12:34
